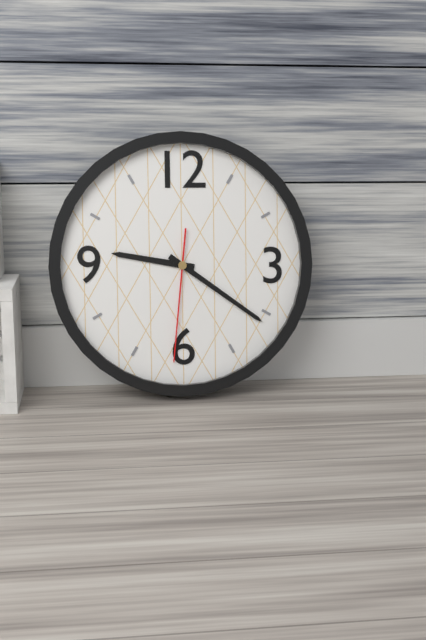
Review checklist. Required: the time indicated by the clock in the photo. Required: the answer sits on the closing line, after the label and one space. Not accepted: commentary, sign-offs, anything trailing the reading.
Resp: 9:21:31
